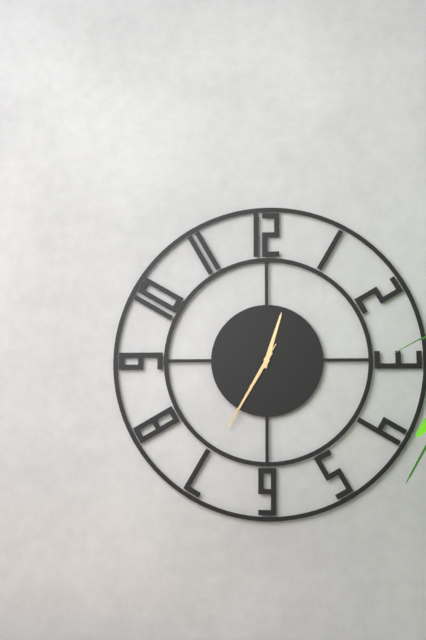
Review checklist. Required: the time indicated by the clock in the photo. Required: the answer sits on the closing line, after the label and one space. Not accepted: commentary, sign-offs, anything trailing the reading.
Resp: 12:35:35
